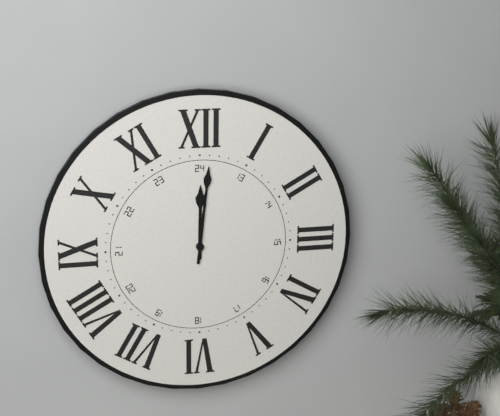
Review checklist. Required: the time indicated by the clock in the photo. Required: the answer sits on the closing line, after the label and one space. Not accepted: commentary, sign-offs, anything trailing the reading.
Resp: 12:01
